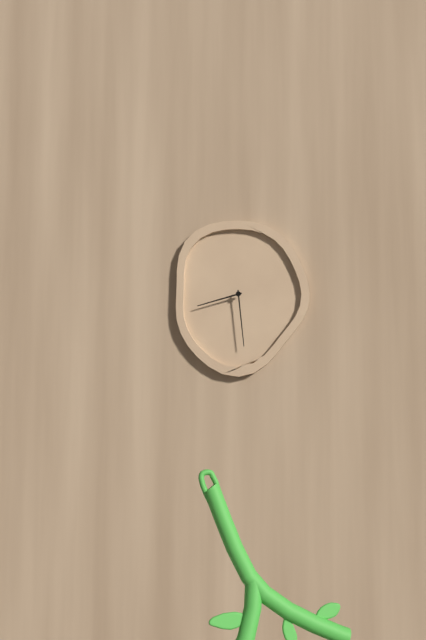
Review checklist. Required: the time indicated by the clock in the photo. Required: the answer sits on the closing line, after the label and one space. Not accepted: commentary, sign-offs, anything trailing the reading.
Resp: 8:29
